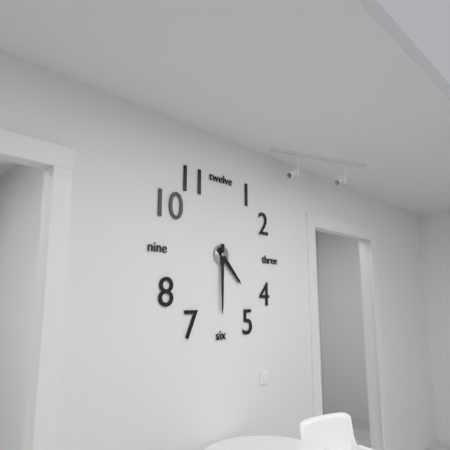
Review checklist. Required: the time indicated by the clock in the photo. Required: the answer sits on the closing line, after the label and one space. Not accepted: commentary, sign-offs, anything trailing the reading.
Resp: 4:30
